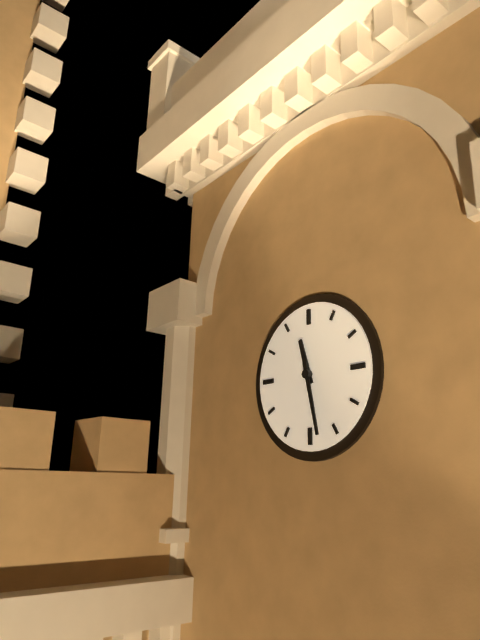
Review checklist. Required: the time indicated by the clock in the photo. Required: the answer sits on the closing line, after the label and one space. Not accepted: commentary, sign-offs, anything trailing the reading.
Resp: 11:28
